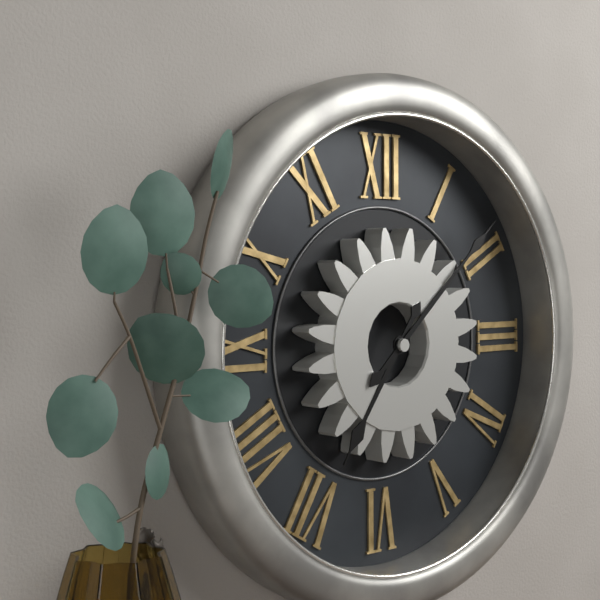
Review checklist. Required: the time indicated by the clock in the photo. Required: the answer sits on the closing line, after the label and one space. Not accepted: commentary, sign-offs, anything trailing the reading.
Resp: 7:08
